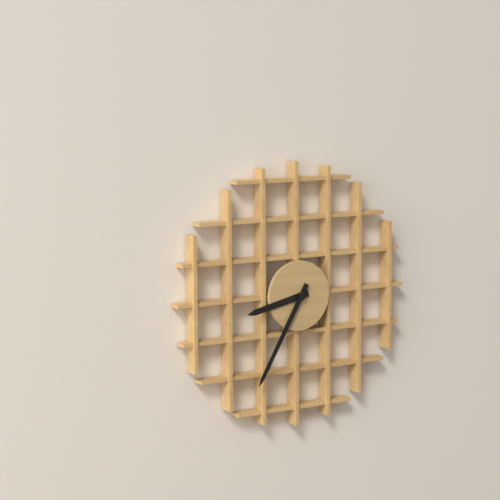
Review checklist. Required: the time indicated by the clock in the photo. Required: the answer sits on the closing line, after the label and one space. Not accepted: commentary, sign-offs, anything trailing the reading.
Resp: 8:35
